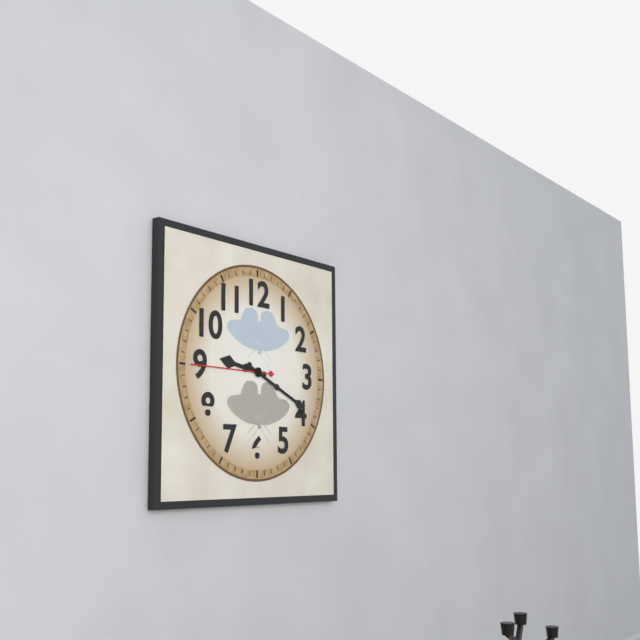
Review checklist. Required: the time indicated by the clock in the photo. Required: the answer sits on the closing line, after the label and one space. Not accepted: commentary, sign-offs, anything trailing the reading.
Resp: 9:19:45
